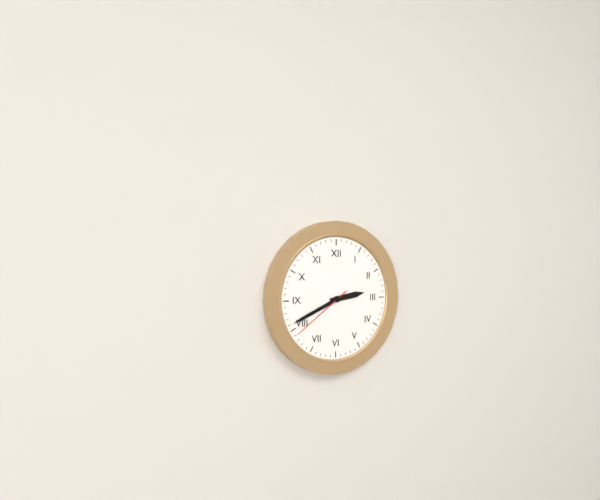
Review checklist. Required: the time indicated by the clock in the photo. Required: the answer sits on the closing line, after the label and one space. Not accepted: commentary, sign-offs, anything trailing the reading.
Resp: 2:41:39
